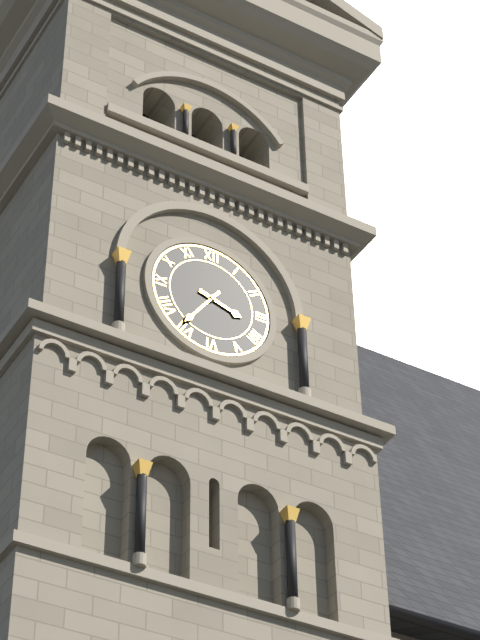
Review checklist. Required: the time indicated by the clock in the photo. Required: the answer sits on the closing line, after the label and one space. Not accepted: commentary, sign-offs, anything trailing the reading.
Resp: 3:36
